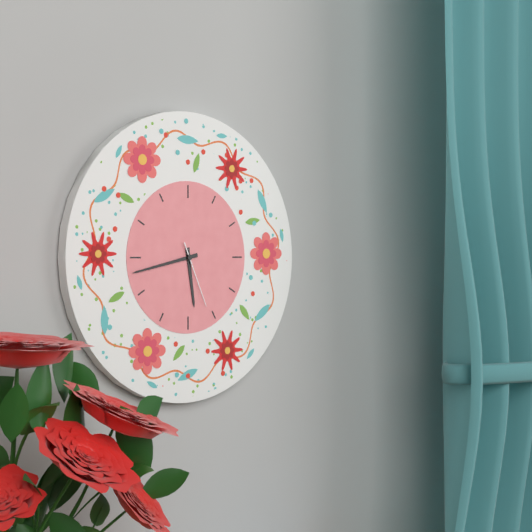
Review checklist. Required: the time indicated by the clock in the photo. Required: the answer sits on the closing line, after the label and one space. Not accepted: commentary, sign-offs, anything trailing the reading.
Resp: 5:43:26
